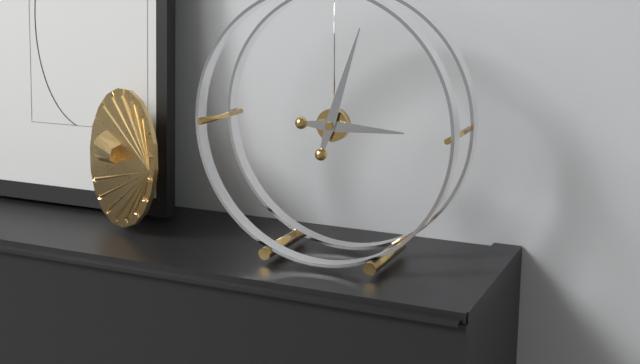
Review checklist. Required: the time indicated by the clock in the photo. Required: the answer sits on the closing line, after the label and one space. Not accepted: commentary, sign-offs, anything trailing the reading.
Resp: 3:03
